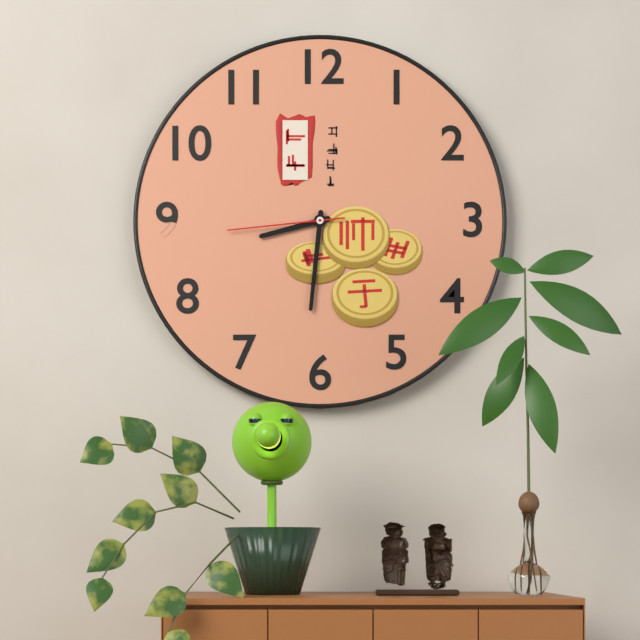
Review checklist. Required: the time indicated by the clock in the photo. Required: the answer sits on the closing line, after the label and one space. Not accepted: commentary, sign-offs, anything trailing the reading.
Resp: 8:31:44
